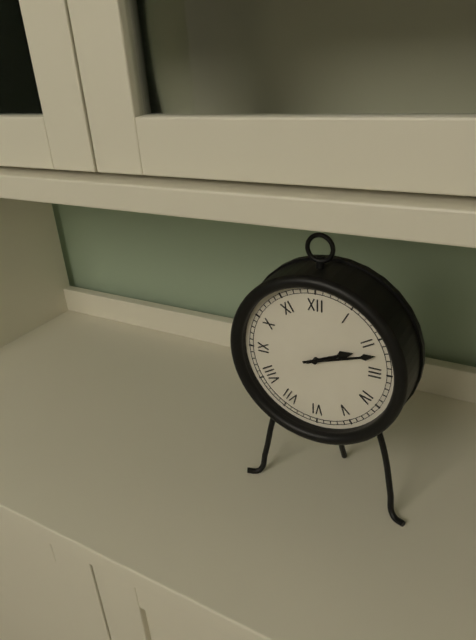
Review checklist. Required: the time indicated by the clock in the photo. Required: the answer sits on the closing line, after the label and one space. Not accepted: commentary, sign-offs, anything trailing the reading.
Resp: 2:12
